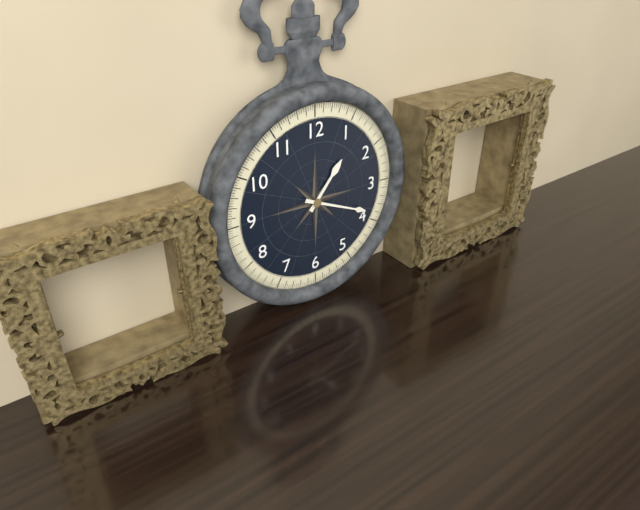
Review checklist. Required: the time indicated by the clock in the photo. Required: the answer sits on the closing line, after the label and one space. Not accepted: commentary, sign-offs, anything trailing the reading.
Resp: 1:19
